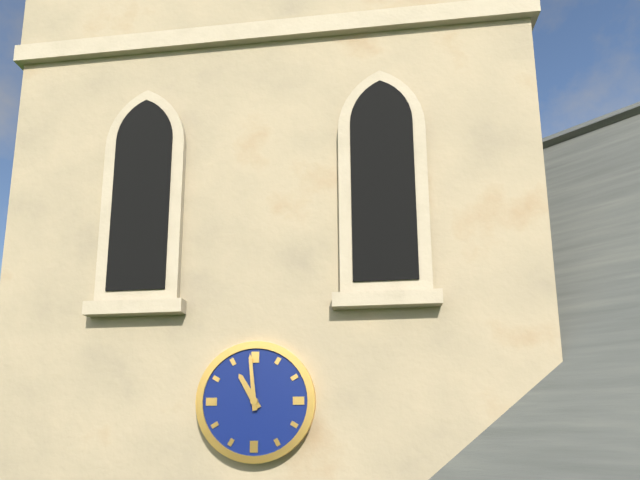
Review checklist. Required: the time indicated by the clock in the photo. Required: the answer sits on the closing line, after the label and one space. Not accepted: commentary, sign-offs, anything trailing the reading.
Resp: 10:59
